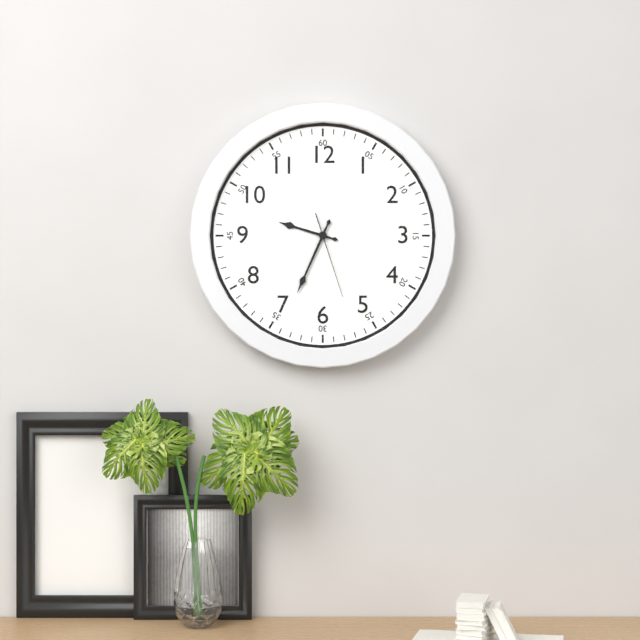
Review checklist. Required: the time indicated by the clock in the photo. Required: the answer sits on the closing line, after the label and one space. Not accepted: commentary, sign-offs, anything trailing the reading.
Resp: 9:34:27
